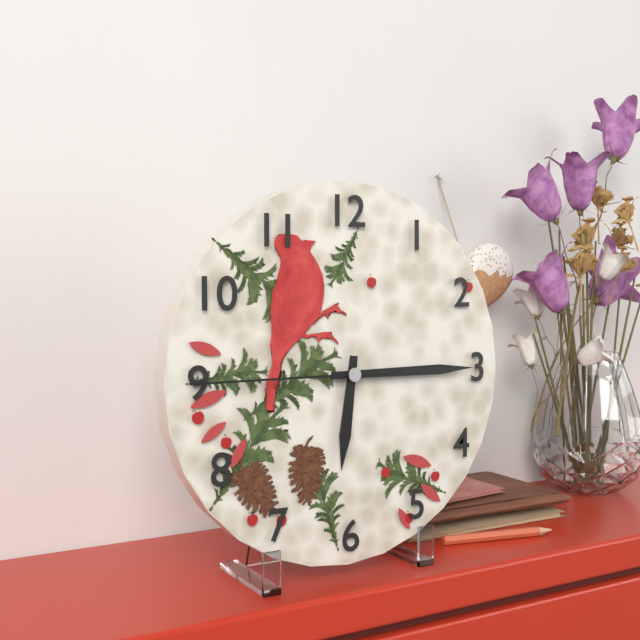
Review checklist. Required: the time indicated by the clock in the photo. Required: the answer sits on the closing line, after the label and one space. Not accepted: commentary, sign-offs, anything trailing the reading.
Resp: 6:15:45
